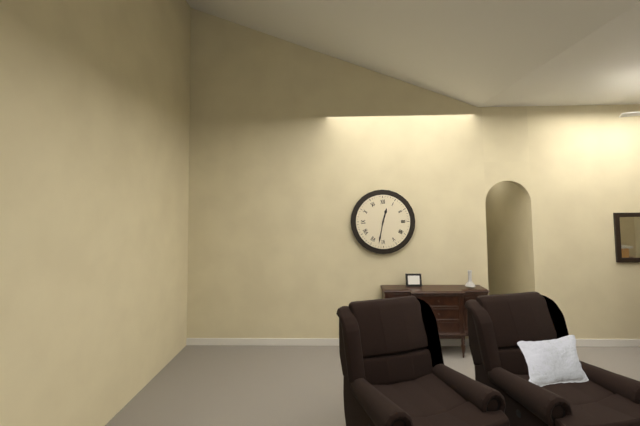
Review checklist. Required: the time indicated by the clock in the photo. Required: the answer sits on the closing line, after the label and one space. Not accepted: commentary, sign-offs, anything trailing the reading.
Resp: 12:32
